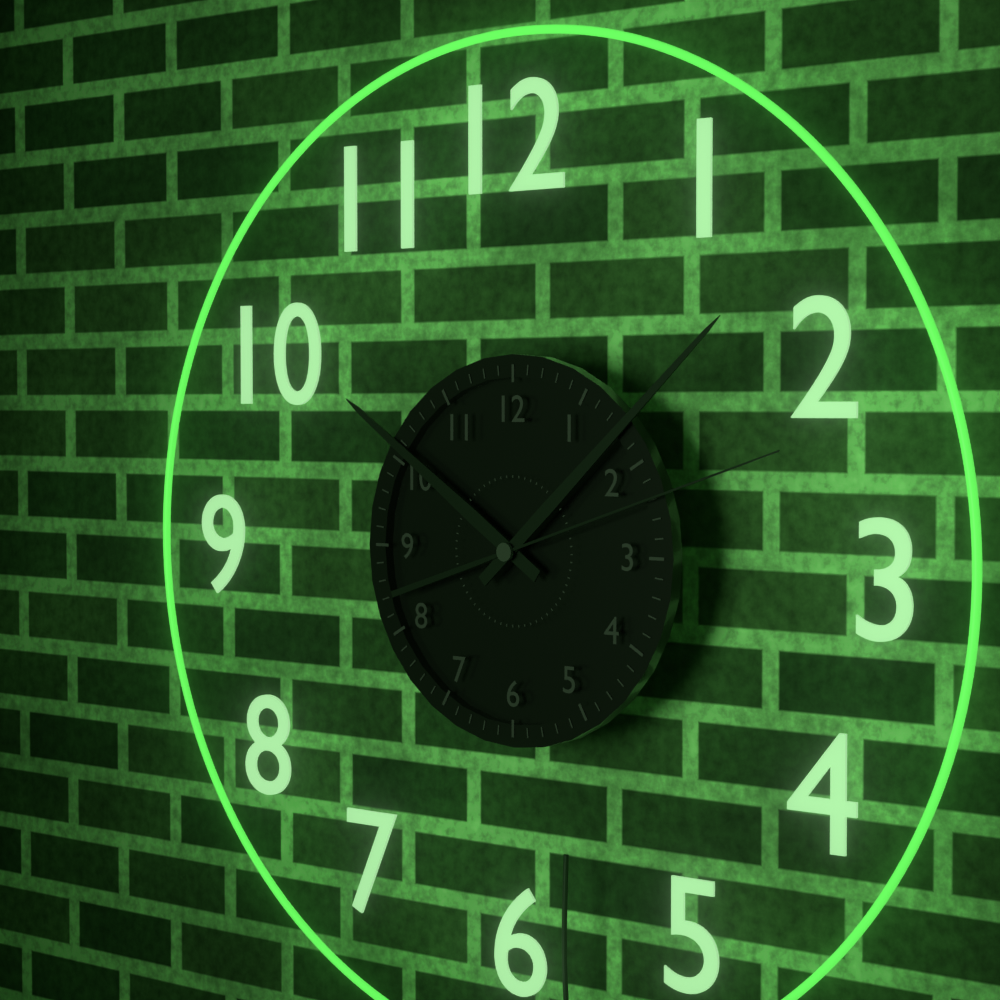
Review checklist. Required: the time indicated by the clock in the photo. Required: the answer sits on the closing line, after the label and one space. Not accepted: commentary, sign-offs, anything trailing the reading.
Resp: 10:08:12
